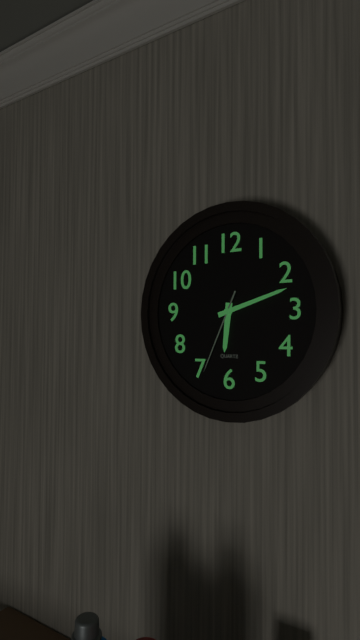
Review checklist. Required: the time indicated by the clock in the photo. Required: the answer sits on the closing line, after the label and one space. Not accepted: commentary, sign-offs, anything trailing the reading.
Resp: 6:12:34
